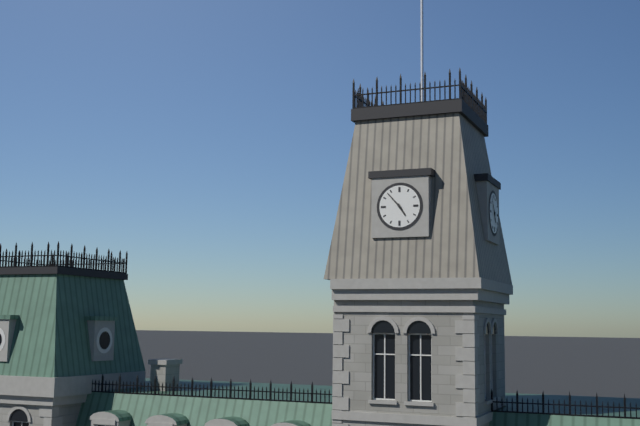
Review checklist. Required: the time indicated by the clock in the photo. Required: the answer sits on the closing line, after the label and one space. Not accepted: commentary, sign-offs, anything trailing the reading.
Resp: 4:53
